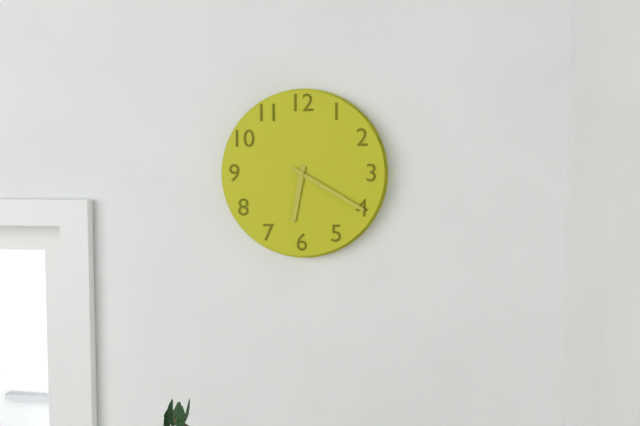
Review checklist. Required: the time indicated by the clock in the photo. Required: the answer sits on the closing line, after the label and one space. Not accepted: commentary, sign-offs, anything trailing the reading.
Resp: 6:20
